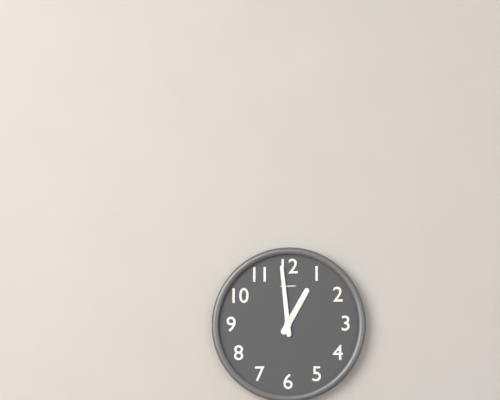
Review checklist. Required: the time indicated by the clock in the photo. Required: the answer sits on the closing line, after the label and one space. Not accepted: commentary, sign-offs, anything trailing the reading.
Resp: 12:59
